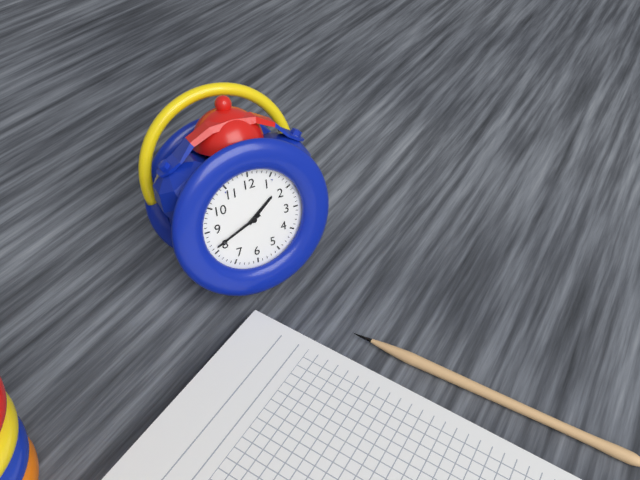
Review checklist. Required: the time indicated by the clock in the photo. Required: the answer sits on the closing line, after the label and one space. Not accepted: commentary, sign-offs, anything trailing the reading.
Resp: 1:41
